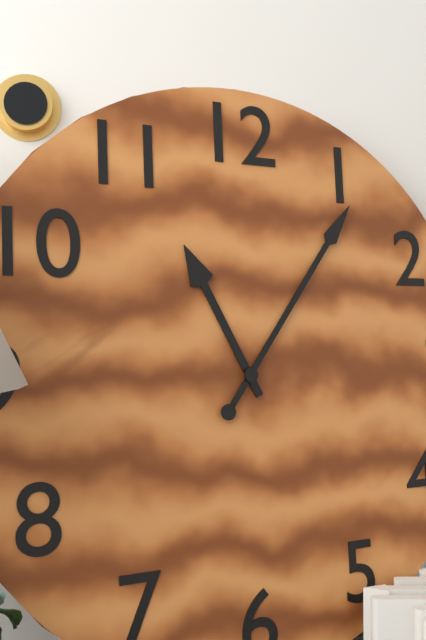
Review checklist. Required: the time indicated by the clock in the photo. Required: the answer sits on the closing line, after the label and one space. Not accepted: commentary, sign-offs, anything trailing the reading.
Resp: 11:06
